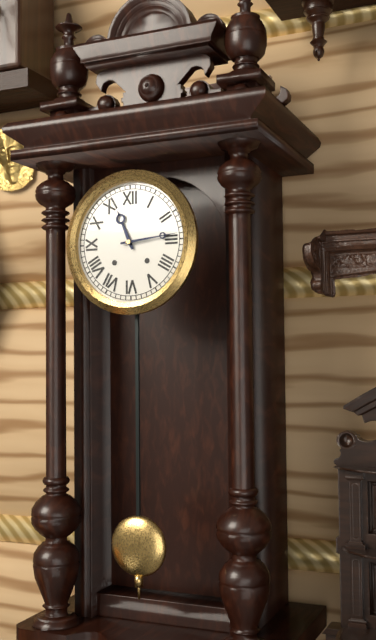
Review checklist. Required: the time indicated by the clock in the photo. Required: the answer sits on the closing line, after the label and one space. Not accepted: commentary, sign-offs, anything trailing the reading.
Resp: 11:14
